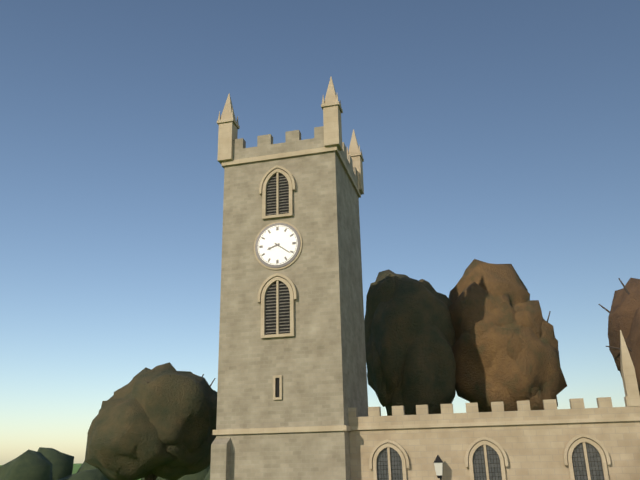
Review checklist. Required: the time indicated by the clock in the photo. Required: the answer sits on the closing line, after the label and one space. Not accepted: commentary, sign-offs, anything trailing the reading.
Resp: 8:21
